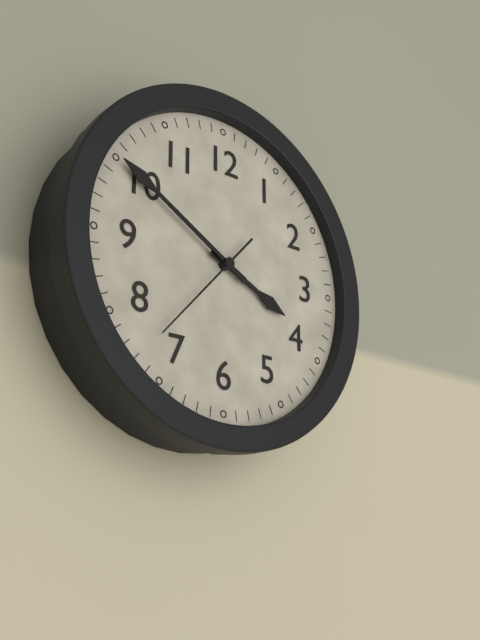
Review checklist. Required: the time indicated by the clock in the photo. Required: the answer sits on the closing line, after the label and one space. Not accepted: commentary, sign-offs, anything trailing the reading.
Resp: 3:50:37
